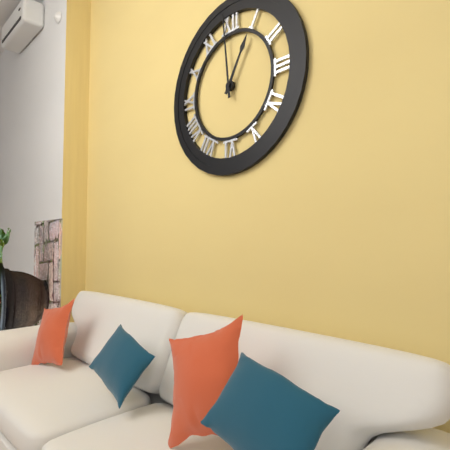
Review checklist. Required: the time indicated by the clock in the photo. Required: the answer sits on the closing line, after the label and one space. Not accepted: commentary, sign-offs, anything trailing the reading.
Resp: 12:59
